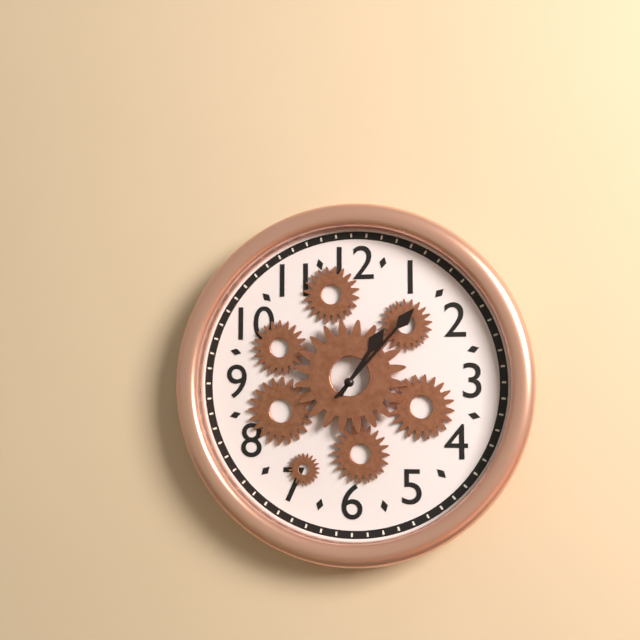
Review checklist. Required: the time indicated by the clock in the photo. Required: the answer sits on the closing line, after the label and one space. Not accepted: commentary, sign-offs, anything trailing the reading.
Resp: 1:07
